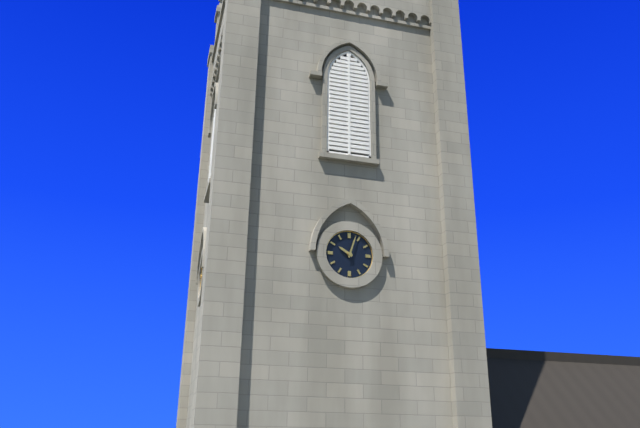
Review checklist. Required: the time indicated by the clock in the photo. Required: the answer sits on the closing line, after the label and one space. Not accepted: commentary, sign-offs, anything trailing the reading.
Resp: 10:03
